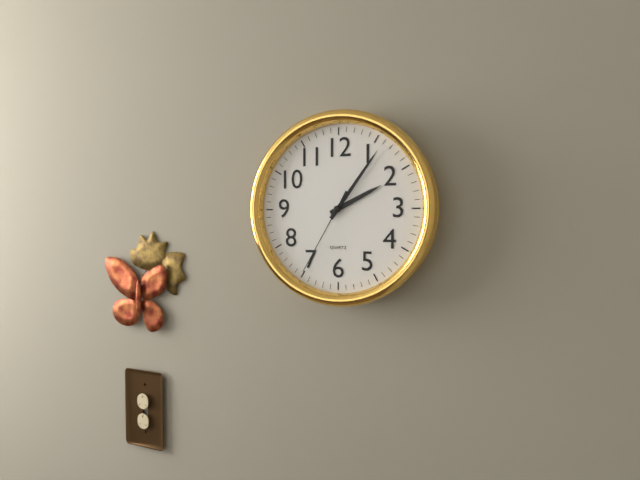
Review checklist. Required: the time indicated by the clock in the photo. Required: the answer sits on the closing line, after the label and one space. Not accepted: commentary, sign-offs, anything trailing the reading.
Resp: 2:06:35
